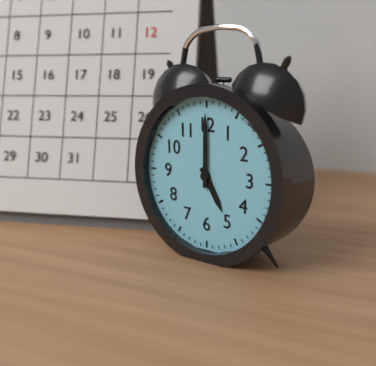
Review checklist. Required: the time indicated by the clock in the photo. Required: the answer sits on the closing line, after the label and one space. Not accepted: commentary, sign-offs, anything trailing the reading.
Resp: 5:00
